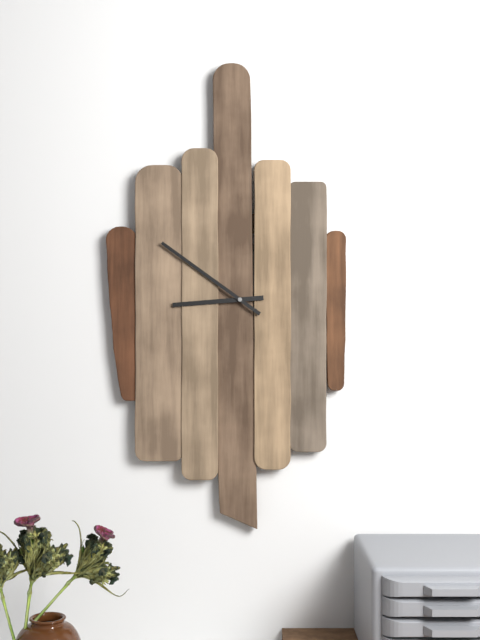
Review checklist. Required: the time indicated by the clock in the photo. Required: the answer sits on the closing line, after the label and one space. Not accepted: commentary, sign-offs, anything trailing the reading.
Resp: 8:51
